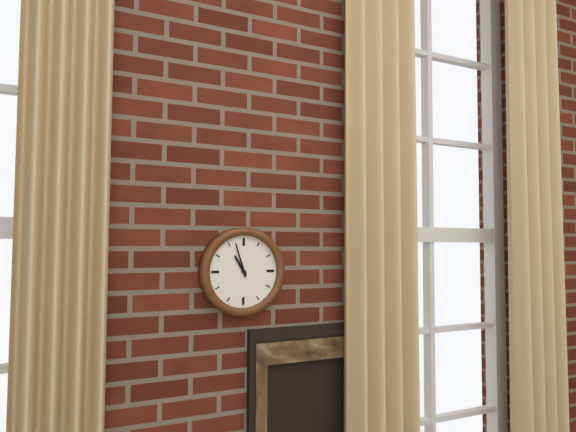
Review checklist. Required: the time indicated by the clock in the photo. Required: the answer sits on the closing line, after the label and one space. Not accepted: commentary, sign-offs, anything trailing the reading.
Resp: 10:57
